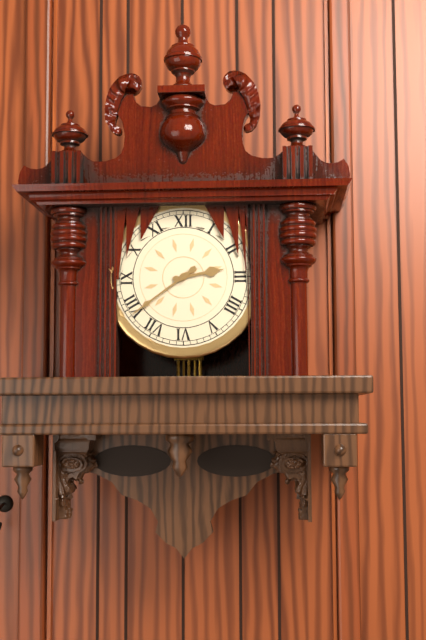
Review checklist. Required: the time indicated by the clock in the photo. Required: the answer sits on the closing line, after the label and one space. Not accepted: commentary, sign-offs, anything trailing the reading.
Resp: 2:39
